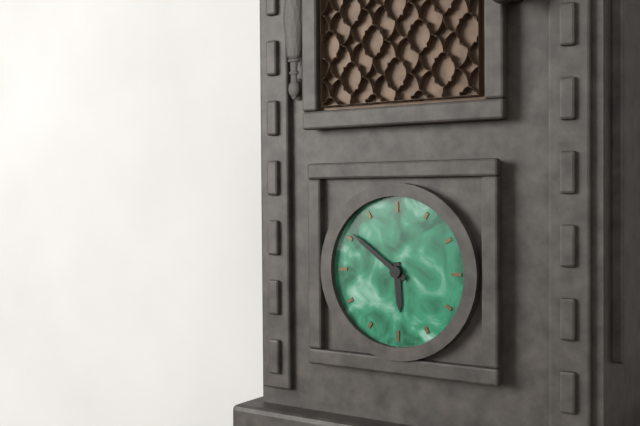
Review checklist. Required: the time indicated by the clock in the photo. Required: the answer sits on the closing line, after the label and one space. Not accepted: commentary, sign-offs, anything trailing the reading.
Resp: 5:51
